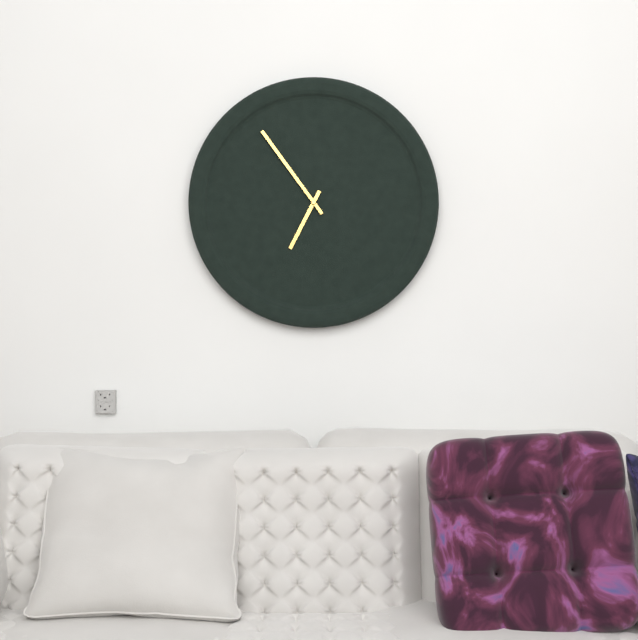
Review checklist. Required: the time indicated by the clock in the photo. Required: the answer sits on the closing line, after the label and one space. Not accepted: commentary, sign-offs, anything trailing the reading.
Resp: 6:54
